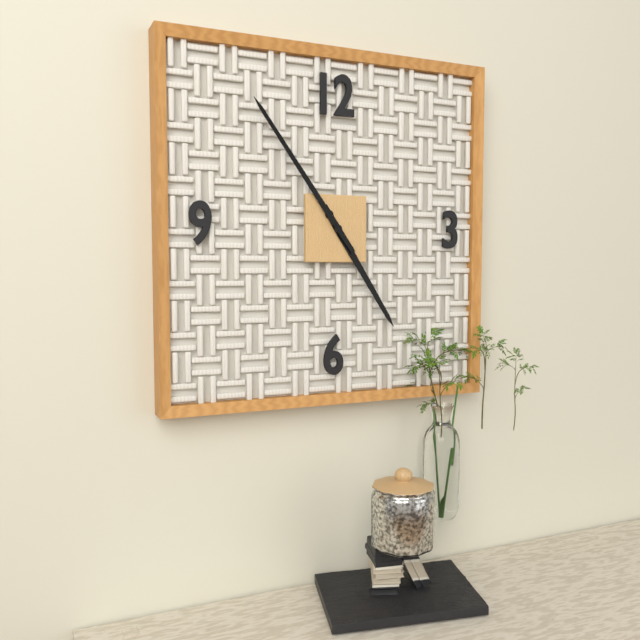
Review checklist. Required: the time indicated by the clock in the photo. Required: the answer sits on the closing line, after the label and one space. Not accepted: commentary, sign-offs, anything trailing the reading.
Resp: 4:54
